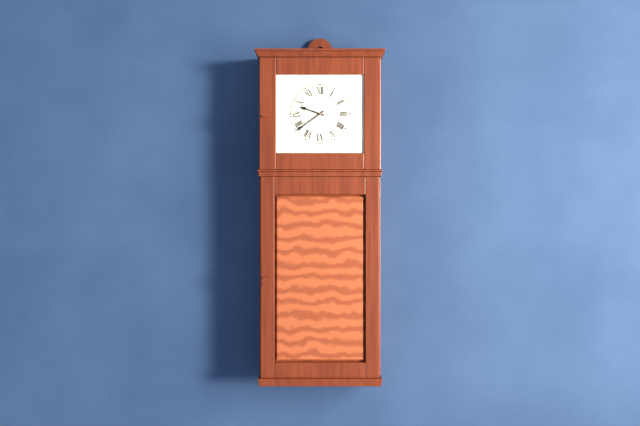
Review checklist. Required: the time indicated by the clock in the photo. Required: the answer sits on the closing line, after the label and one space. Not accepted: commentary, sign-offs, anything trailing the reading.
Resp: 9:39
